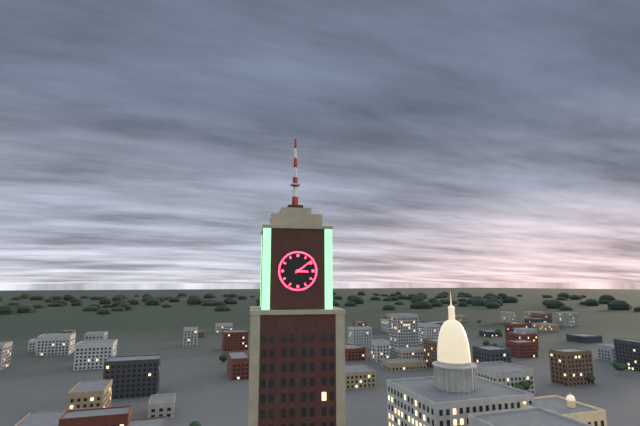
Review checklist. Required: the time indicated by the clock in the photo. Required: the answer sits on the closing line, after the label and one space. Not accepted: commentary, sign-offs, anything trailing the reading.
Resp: 3:09
